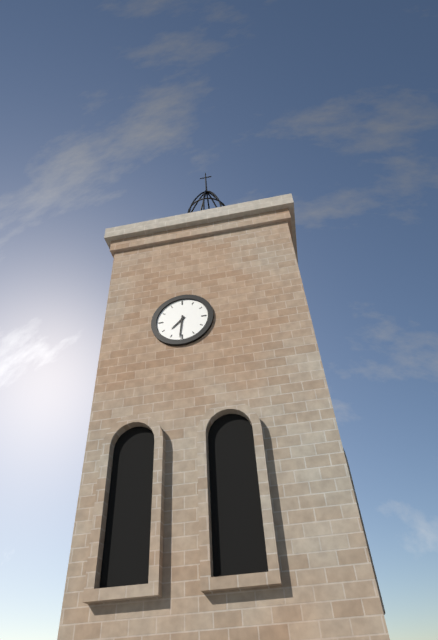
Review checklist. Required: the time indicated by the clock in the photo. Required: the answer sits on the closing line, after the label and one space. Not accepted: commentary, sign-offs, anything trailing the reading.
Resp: 7:31
